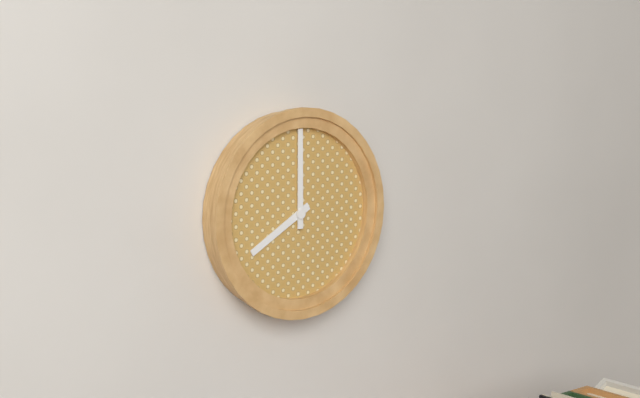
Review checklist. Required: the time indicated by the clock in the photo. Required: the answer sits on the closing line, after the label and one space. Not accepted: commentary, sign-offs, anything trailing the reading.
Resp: 8:00
